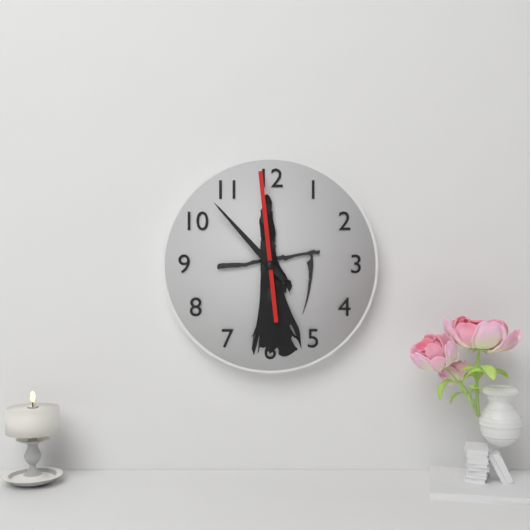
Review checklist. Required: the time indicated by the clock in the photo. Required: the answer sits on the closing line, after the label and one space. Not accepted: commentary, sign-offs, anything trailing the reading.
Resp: 11:53:59
